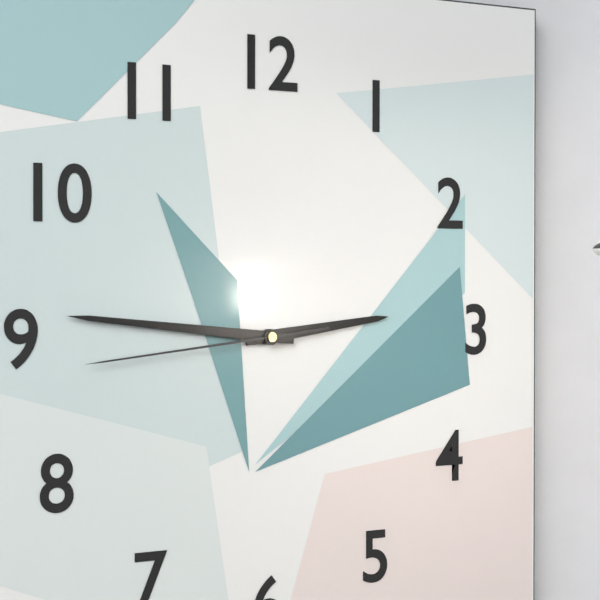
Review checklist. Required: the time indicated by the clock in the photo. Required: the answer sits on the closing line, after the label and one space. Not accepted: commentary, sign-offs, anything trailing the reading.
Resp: 2:46:44
